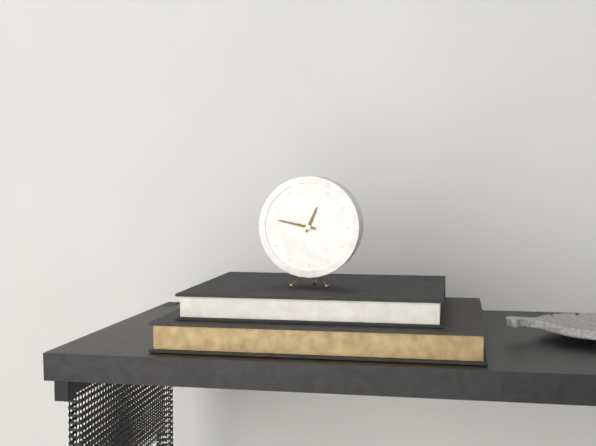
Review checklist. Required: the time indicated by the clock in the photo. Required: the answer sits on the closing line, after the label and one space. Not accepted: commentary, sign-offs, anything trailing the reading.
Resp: 12:47
